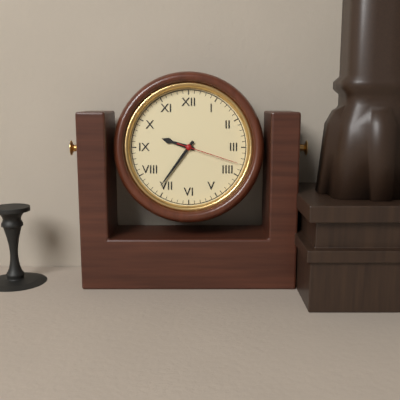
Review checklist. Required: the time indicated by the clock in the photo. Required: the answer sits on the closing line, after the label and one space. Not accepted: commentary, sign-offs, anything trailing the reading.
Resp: 9:36:18
